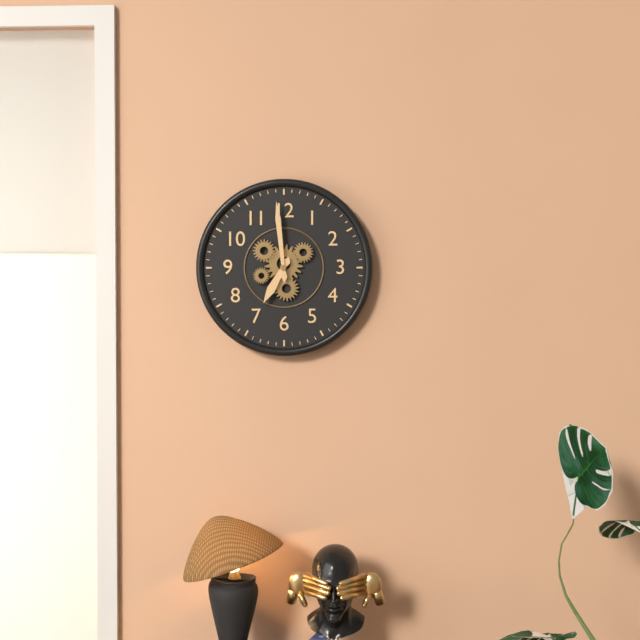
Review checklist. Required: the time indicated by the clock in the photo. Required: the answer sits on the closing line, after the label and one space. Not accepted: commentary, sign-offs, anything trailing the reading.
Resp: 6:59
